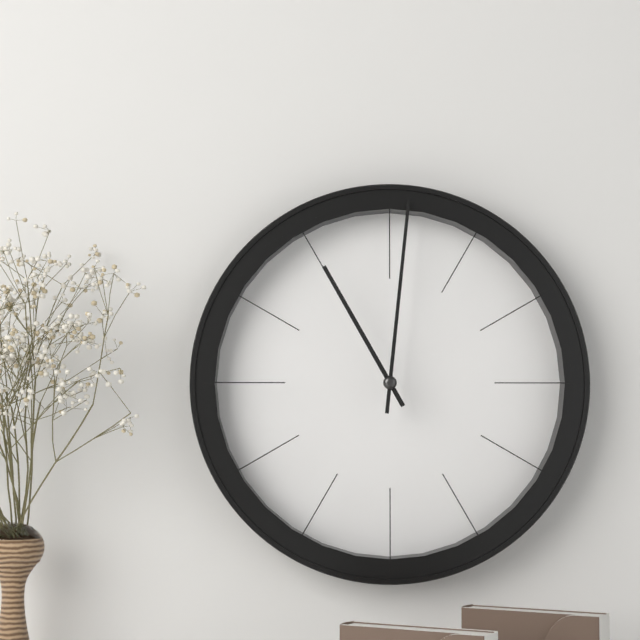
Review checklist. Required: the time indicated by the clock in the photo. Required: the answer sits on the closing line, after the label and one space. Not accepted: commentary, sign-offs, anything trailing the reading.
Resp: 11:01
